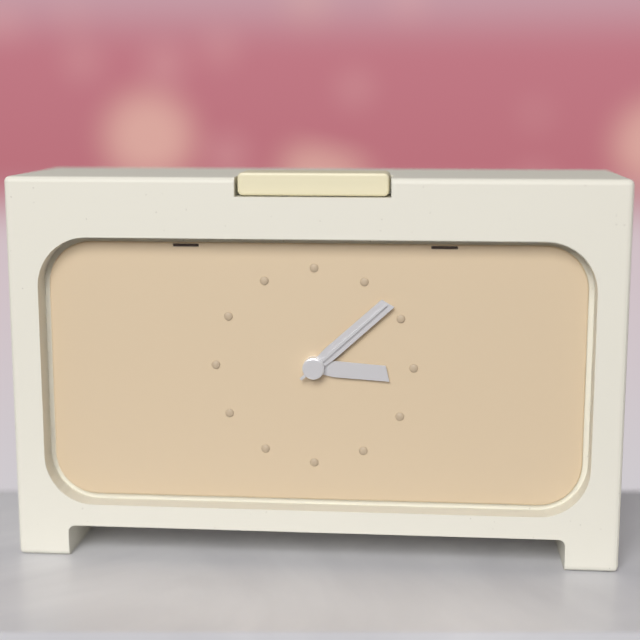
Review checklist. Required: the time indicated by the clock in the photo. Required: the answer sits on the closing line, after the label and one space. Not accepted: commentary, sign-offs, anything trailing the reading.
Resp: 3:08:08
